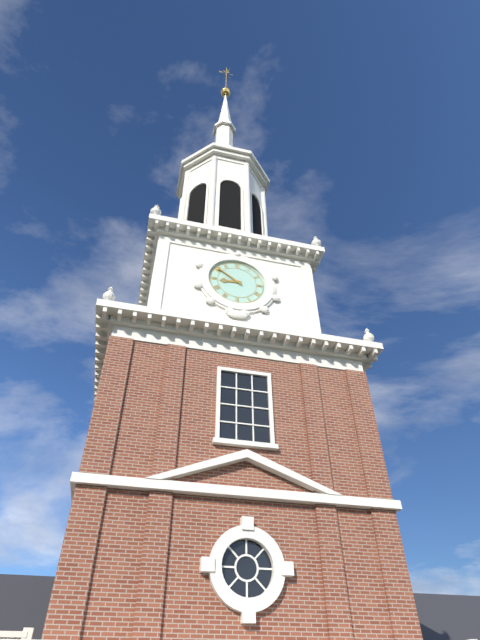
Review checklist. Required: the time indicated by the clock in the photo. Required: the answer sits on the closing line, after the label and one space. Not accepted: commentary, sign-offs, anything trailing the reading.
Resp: 8:51
